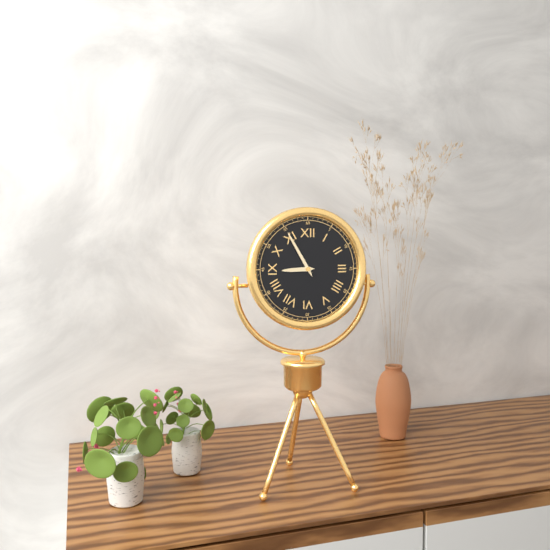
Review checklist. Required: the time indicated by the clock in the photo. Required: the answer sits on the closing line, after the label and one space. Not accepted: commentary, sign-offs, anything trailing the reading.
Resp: 8:55
